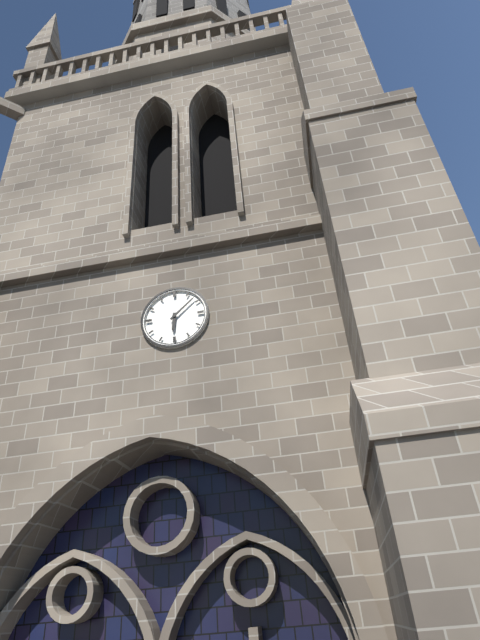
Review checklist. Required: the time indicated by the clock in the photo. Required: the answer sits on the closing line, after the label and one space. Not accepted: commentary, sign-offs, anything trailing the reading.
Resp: 6:08
